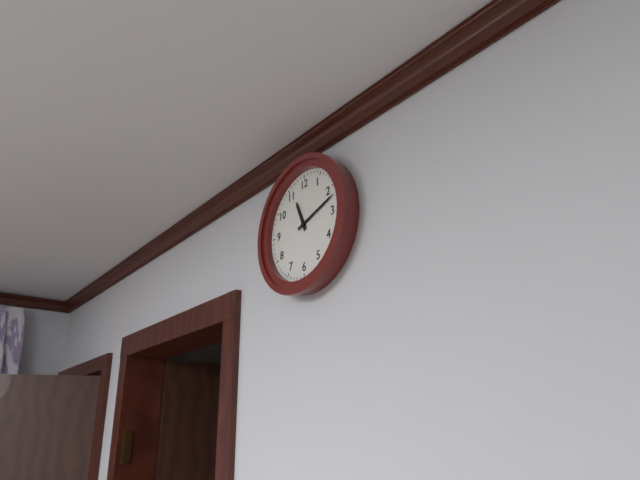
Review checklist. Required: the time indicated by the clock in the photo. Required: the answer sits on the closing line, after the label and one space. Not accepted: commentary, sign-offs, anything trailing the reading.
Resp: 11:12
